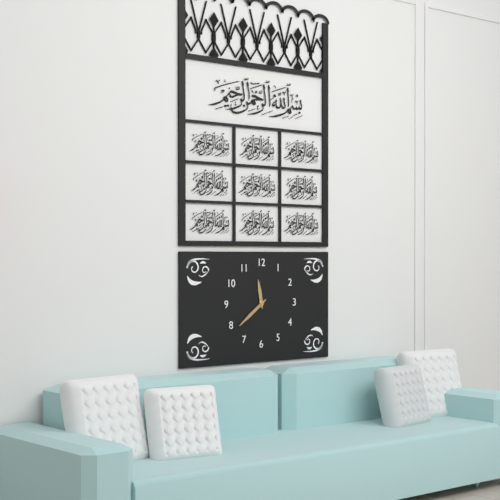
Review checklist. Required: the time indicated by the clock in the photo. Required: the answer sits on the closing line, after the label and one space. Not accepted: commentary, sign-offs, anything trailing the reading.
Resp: 11:39
